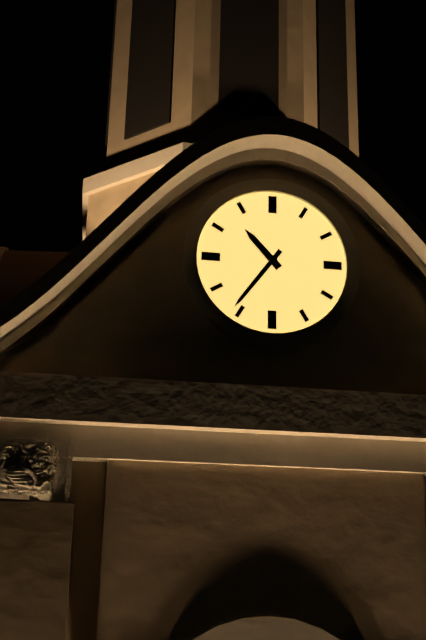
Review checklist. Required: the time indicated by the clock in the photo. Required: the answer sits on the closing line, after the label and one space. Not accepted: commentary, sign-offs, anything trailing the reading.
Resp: 10:36
